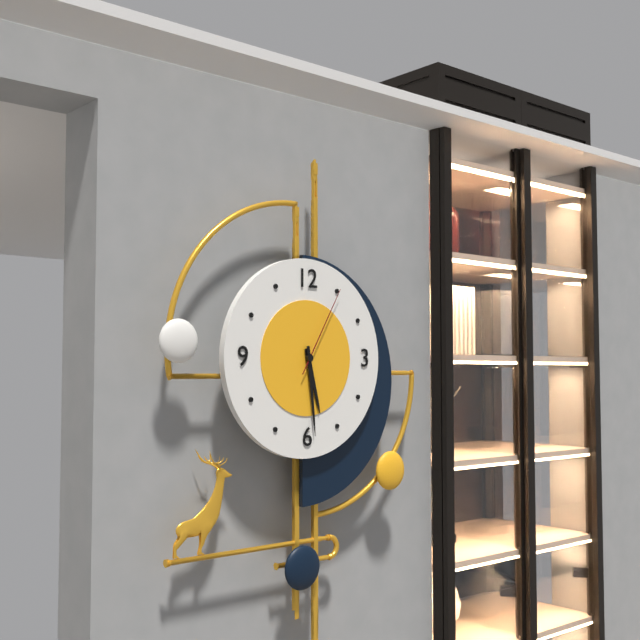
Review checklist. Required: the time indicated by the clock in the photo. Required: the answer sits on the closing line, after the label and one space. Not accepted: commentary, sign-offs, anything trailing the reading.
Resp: 5:29:05
